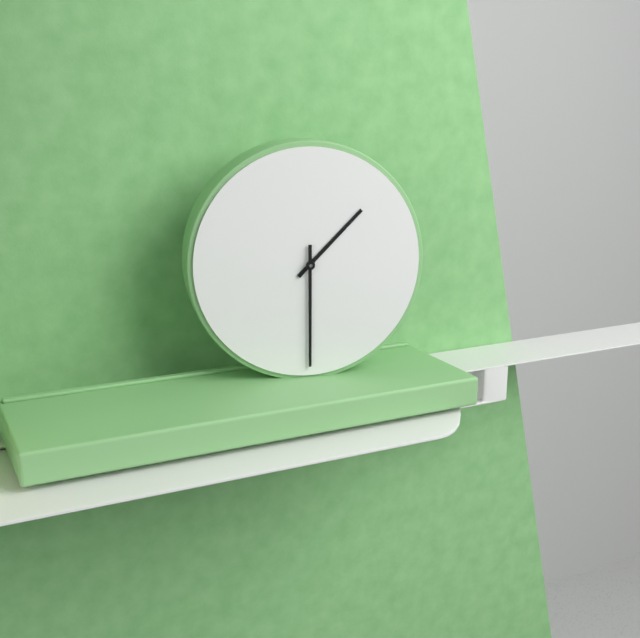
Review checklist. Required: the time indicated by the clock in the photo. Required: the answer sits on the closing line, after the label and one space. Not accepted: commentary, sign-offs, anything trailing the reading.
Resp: 1:30
